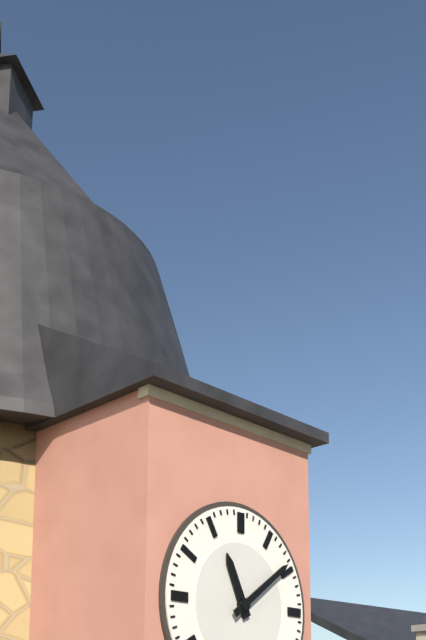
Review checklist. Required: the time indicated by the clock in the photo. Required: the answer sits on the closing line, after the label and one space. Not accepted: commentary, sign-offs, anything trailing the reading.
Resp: 11:09
